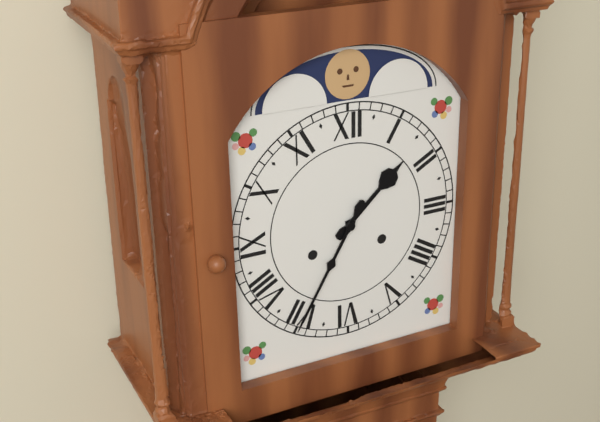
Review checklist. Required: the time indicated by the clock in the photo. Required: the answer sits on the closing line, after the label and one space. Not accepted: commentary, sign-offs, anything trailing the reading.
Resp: 1:35
